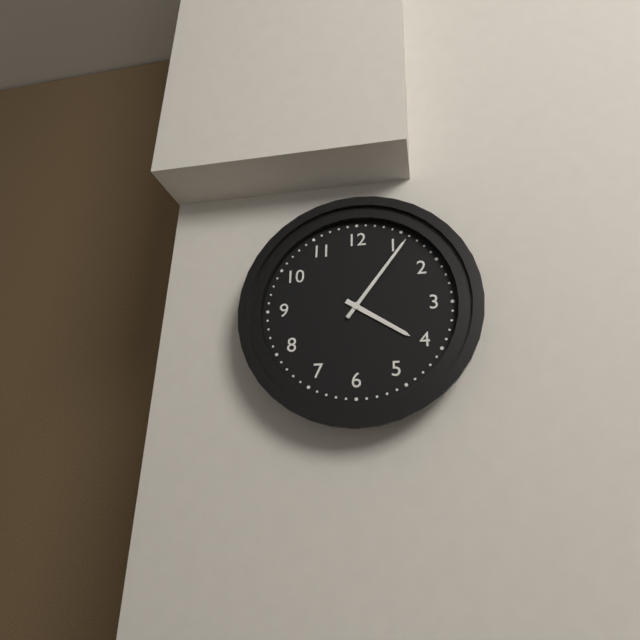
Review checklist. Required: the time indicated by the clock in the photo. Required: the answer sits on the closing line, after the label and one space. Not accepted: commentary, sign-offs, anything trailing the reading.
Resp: 4:06
